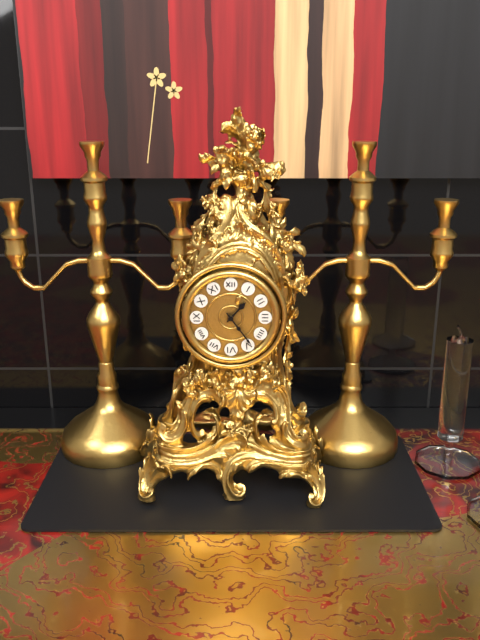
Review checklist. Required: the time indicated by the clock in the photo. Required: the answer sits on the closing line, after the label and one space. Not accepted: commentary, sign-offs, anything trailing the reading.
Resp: 1:24
